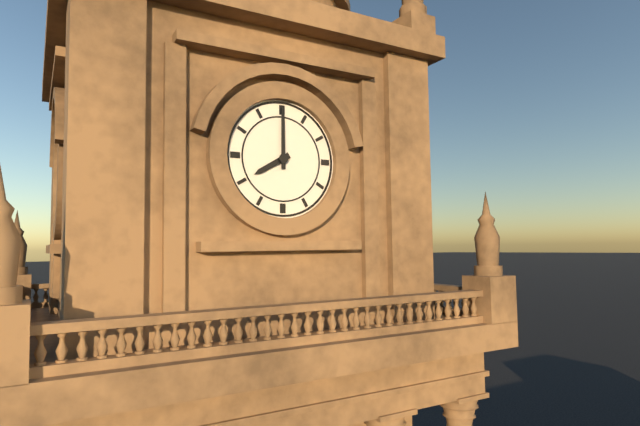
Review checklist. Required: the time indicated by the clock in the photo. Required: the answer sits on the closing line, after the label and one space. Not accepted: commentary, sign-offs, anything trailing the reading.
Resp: 8:00
